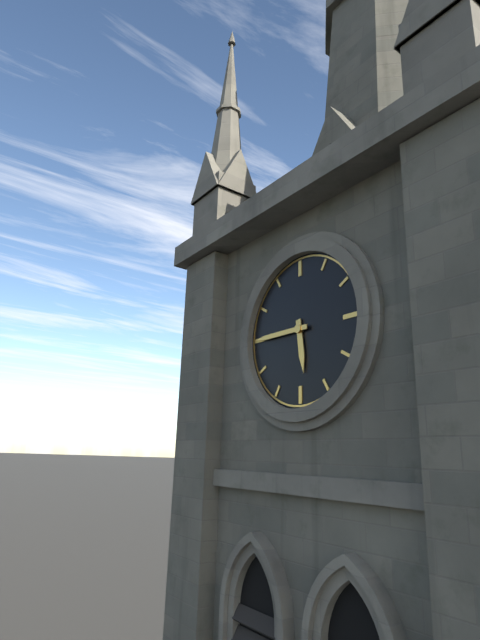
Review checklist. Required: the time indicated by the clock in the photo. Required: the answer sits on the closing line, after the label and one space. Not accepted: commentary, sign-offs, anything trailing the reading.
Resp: 5:45
